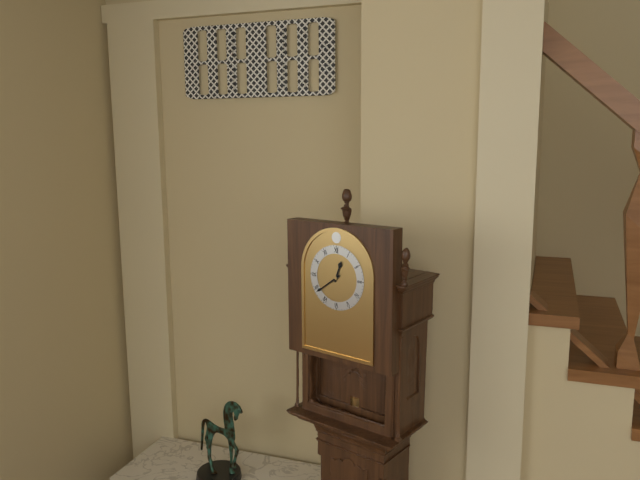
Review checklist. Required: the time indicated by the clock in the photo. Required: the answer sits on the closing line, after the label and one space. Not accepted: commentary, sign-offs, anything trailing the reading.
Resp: 12:39
